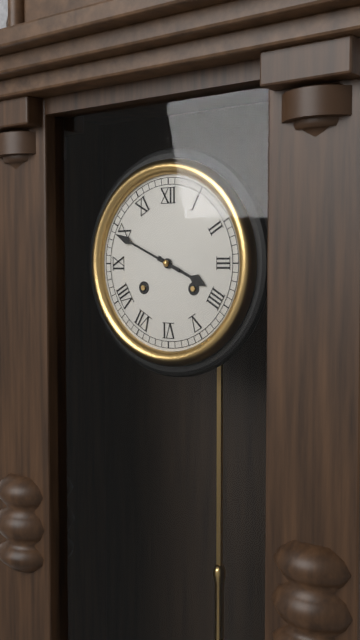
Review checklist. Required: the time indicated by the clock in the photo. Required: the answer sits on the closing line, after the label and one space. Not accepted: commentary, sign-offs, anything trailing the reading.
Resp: 3:49
